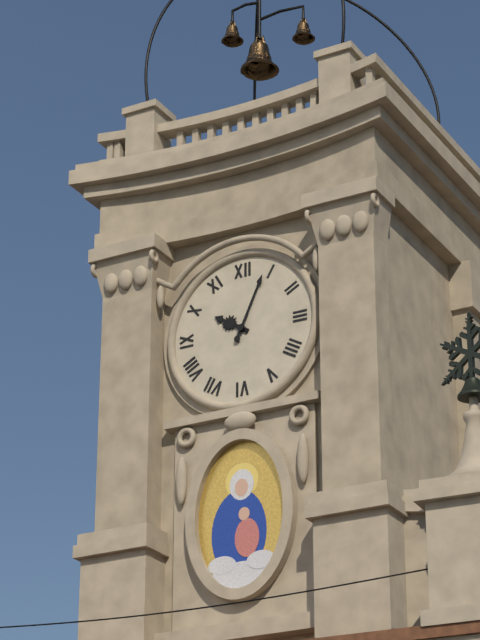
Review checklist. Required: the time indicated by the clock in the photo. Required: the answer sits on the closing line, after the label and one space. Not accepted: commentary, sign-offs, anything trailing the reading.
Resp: 10:04
